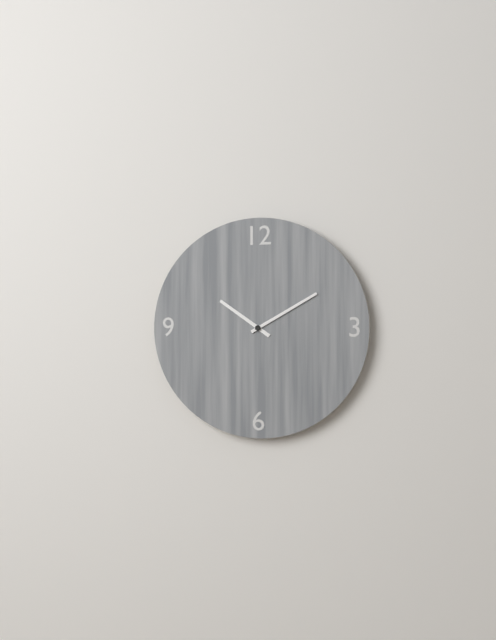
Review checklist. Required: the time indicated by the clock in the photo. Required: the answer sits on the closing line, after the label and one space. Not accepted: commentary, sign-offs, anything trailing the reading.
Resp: 10:10
